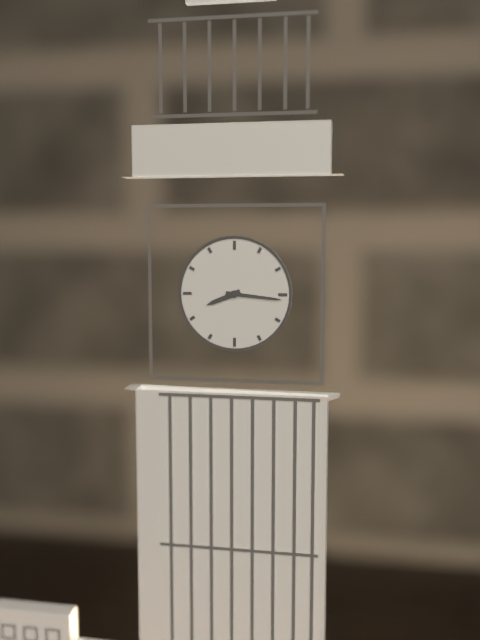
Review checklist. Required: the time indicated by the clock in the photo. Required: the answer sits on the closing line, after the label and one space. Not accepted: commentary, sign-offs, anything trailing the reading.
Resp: 8:16
